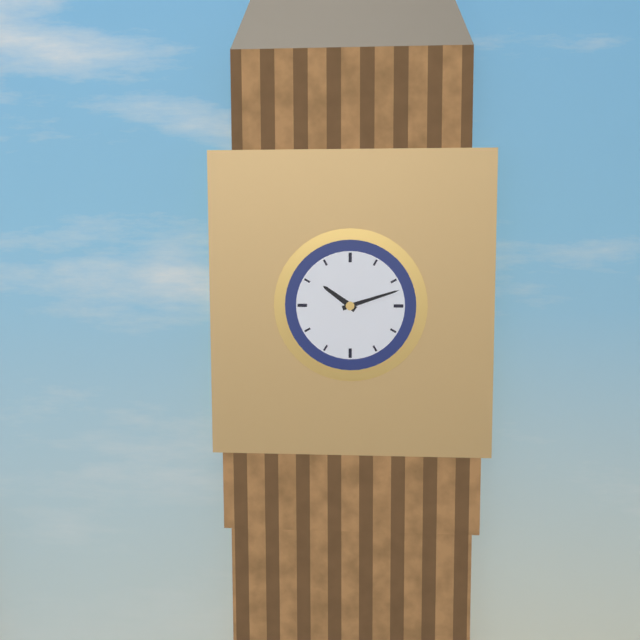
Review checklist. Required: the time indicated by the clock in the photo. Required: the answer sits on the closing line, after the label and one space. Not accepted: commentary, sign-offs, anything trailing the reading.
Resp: 10:12
